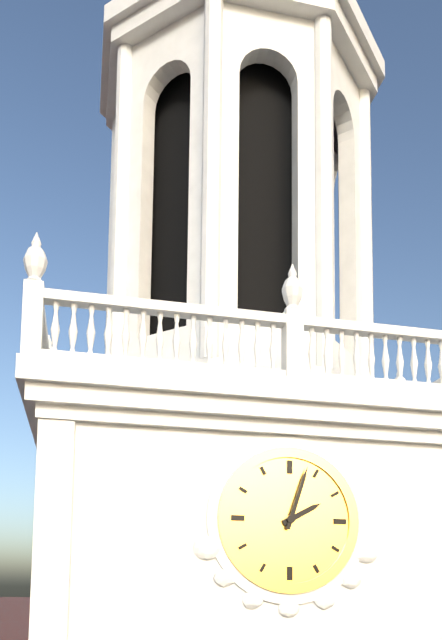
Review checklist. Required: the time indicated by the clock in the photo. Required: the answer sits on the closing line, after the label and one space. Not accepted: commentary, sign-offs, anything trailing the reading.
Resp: 2:03
